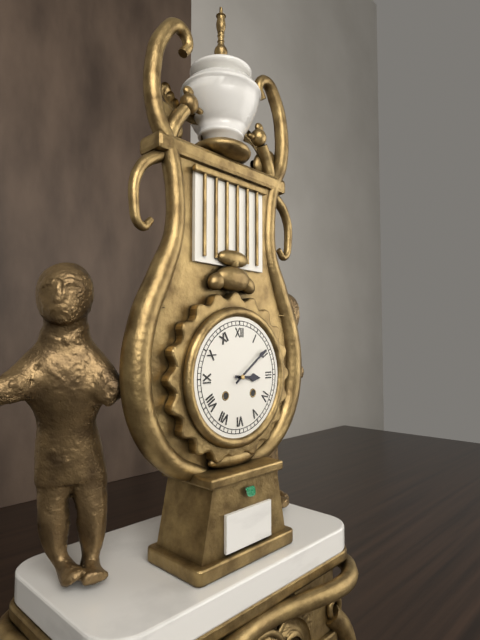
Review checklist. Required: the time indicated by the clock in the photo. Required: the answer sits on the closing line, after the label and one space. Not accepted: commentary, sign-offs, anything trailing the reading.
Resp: 3:09
